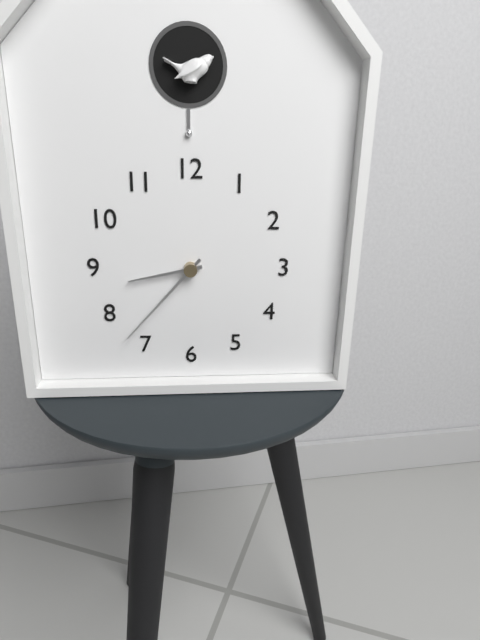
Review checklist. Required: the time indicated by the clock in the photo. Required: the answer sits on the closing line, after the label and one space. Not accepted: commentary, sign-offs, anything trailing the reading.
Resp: 8:37
